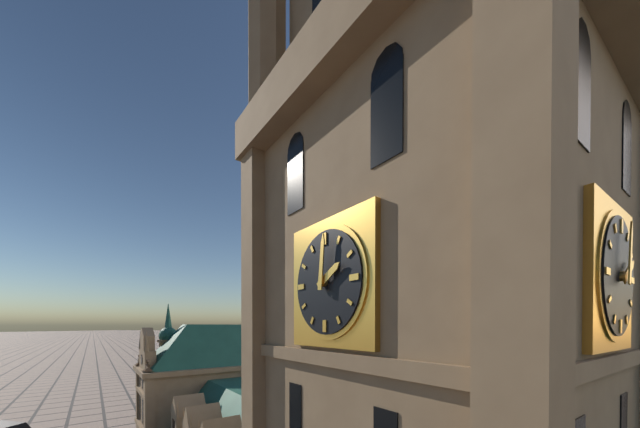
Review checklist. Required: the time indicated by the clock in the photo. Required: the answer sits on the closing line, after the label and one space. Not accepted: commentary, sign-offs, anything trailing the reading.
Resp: 2:01
